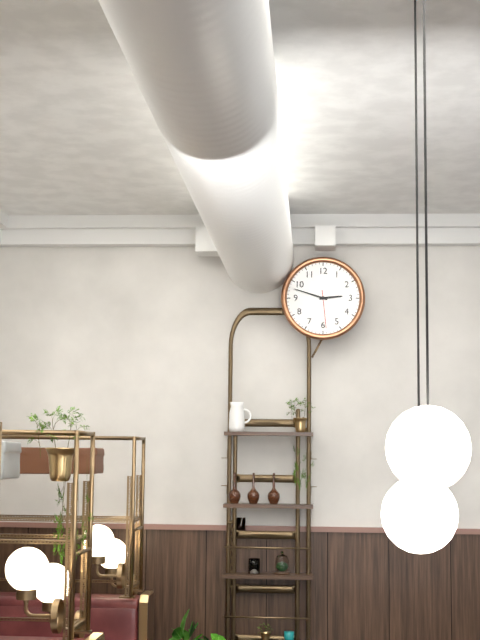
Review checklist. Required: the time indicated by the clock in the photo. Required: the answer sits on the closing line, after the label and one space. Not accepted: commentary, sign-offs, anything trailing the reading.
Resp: 2:48
